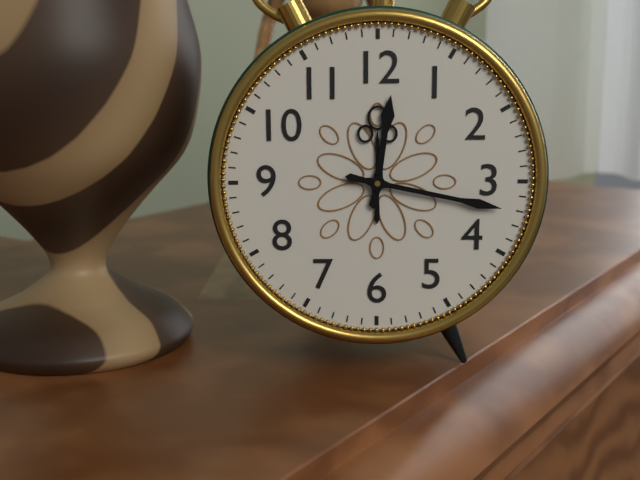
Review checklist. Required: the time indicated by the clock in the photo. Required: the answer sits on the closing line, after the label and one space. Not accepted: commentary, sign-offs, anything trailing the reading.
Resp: 12:17
